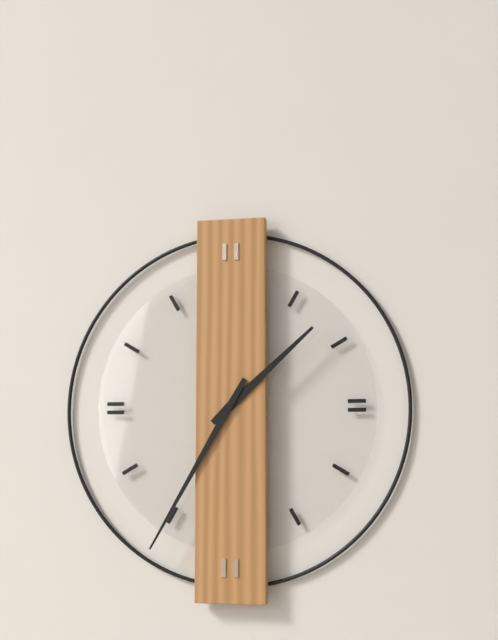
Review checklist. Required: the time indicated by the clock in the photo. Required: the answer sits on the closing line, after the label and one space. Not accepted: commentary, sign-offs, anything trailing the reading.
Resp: 1:35
